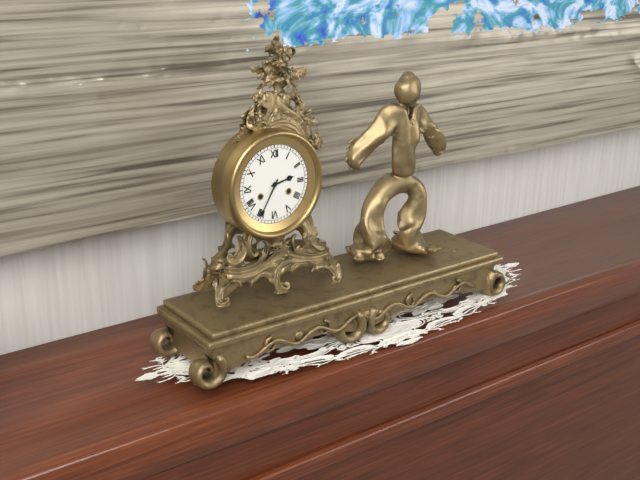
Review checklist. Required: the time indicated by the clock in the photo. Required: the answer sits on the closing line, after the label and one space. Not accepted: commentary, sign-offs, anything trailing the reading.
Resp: 2:35
